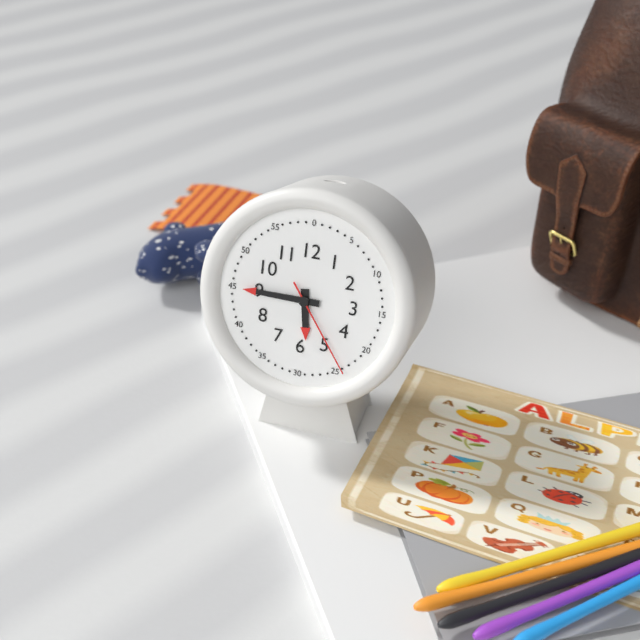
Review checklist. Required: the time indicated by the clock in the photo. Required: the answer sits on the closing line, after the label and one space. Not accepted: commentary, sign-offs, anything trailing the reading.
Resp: 5:45:24
